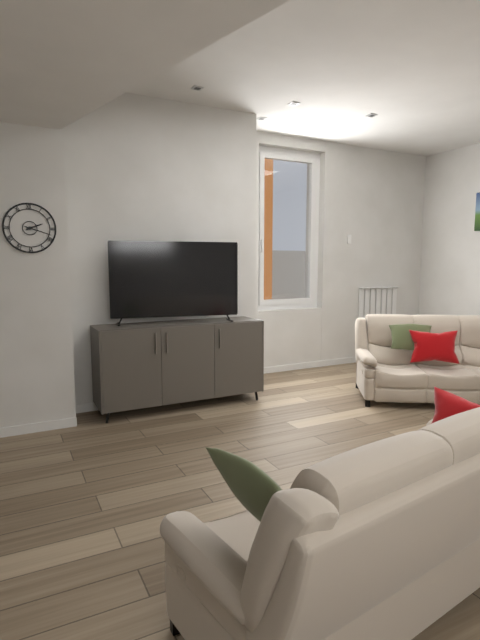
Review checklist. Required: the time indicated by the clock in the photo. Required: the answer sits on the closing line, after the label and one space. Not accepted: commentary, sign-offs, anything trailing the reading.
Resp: 2:18
